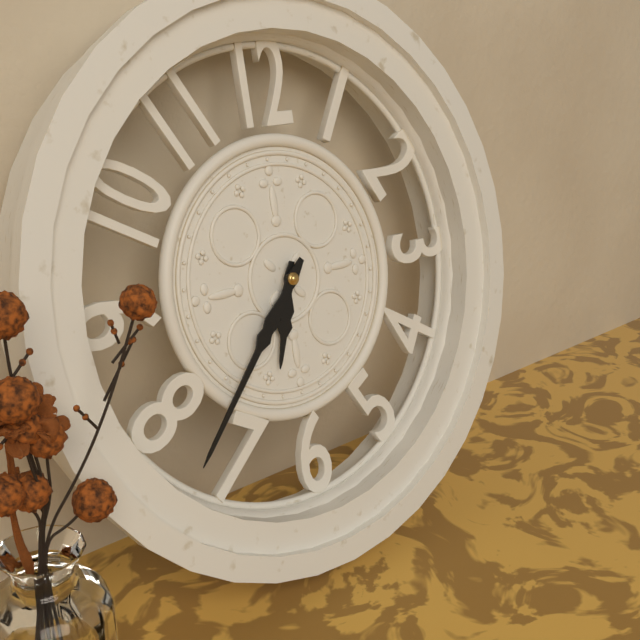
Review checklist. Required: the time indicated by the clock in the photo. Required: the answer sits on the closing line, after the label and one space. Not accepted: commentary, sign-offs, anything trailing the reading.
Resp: 6:37
